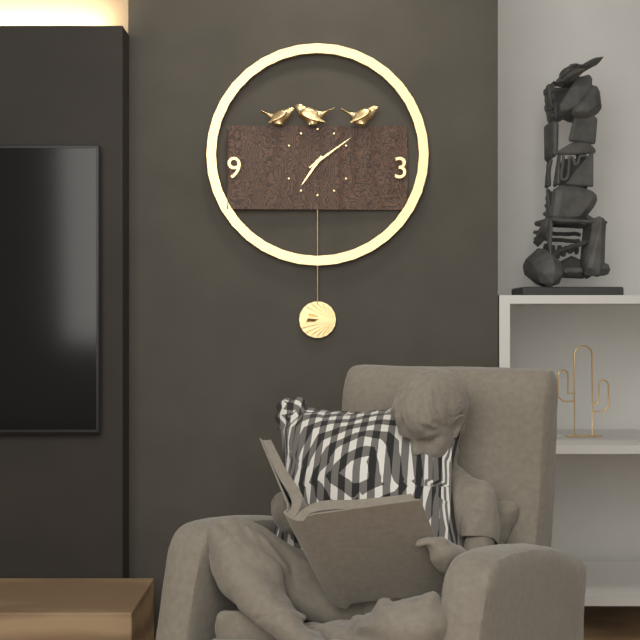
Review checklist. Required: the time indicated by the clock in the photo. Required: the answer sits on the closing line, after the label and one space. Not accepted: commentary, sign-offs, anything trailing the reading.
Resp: 7:09
